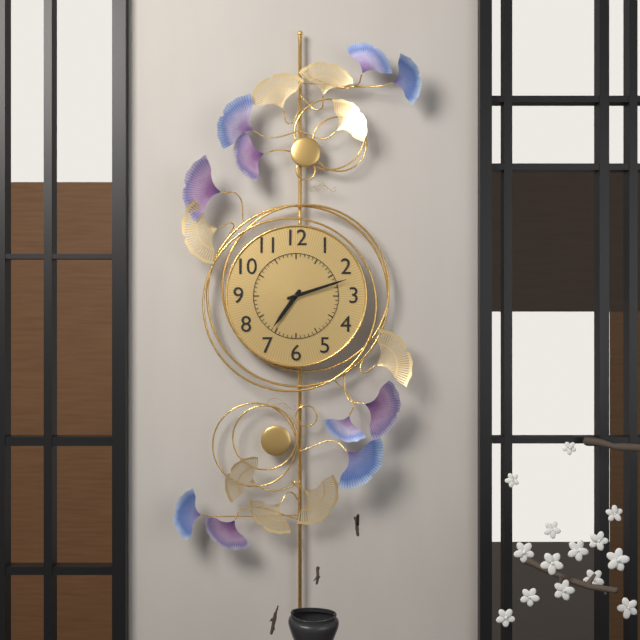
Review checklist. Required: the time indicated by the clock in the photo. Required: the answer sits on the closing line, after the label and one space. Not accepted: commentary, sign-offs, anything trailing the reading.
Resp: 7:12
